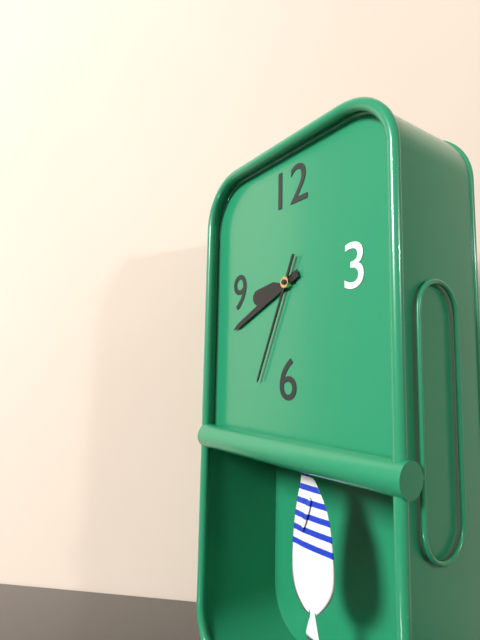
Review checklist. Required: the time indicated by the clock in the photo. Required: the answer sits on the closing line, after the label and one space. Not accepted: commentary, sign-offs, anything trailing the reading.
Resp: 8:41:34
